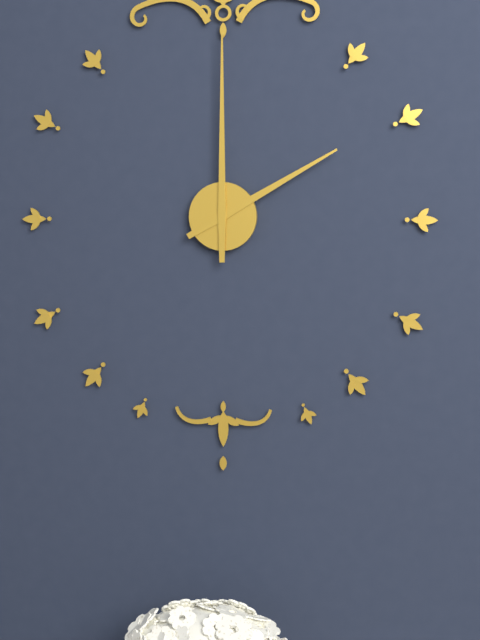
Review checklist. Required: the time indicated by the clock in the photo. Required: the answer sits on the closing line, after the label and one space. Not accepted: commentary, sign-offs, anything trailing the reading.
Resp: 2:00
